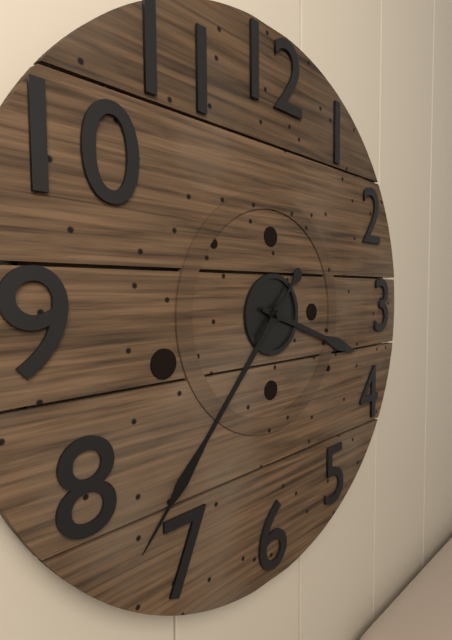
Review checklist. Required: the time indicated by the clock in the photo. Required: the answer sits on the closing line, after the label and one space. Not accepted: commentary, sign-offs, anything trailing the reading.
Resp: 3:37
